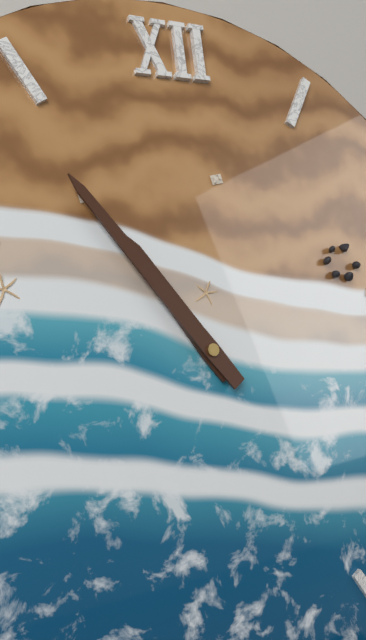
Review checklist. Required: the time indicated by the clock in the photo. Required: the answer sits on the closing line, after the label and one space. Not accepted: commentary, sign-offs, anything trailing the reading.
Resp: 10:54
